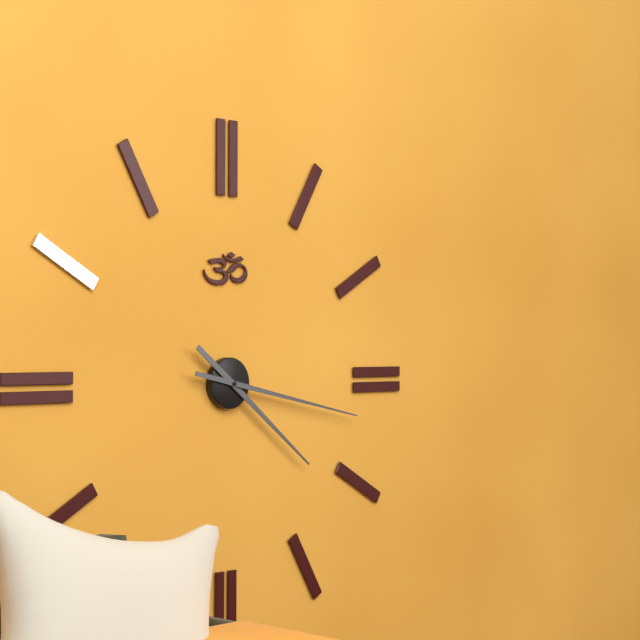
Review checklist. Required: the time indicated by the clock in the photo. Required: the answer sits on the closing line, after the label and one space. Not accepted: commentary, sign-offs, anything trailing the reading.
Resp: 4:17
